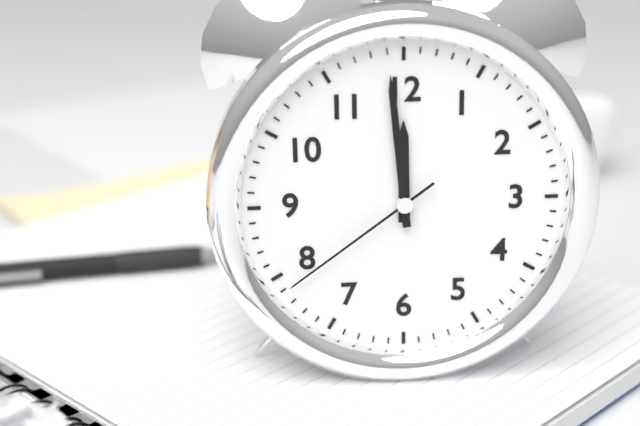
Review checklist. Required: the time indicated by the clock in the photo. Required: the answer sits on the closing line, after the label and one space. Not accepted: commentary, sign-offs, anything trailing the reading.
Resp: 11:59:39
